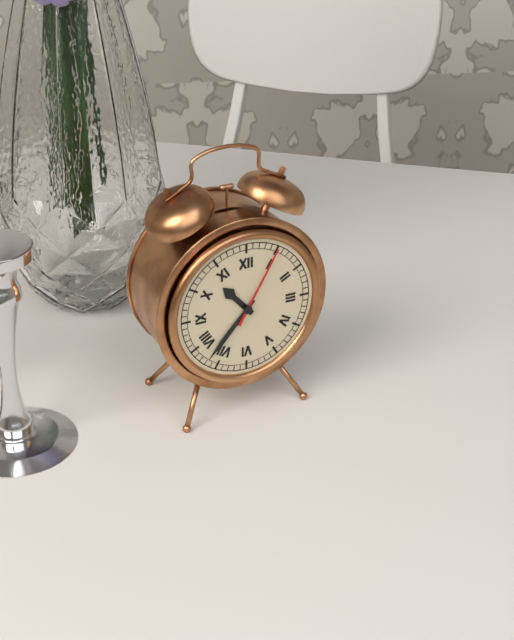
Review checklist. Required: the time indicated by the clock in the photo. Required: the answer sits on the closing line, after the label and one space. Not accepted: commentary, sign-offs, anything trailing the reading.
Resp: 10:37:05
